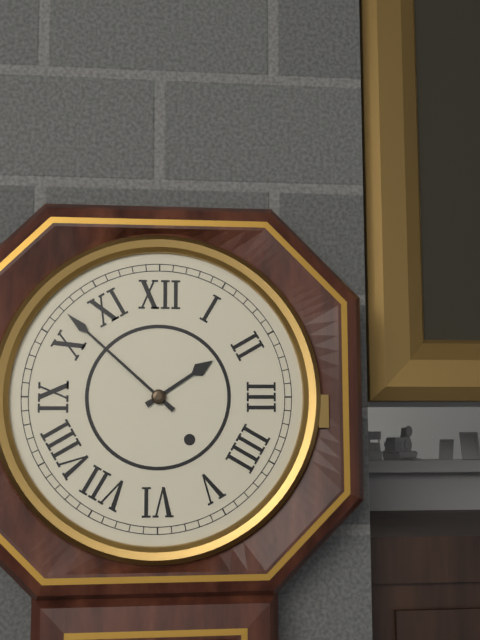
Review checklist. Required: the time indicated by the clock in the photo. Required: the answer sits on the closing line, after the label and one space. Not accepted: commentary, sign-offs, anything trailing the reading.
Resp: 1:52
